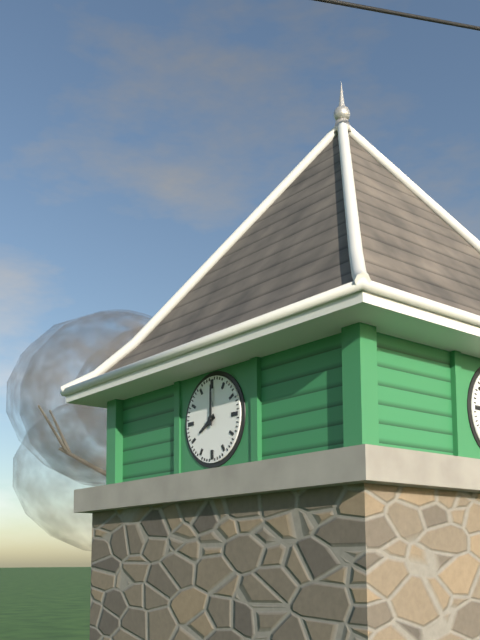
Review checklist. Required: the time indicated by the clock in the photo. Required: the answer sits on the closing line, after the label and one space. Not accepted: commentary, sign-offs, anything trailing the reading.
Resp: 8:00
